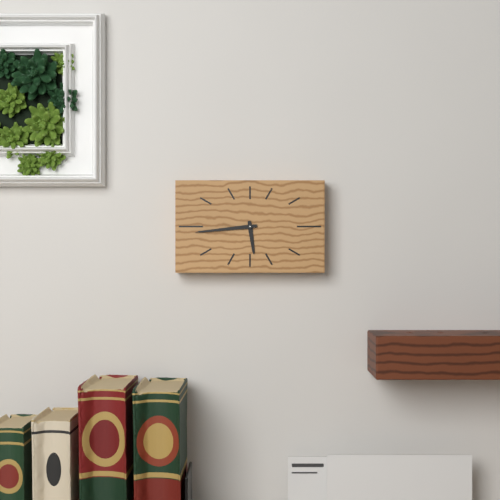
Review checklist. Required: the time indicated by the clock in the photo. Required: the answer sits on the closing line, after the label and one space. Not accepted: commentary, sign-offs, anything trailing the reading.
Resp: 5:44
